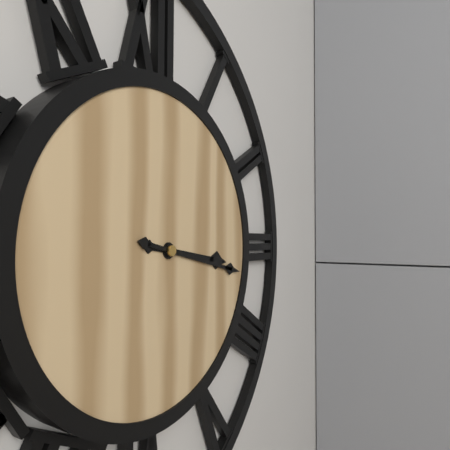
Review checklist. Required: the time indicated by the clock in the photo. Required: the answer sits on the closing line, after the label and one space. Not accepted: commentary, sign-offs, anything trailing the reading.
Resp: 3:17
